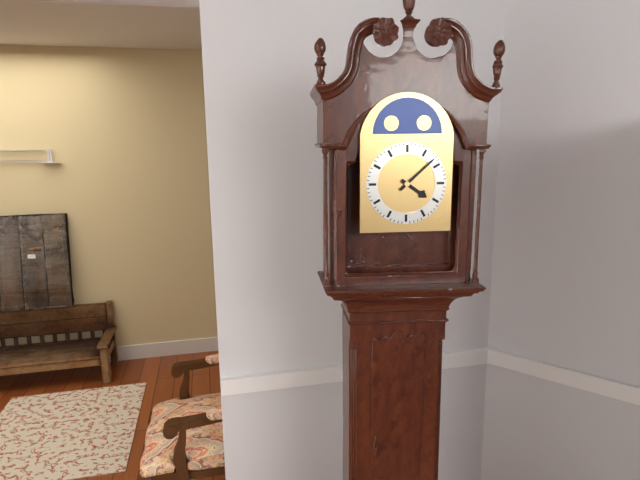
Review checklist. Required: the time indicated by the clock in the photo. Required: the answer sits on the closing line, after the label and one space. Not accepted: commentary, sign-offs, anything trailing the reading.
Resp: 4:08
